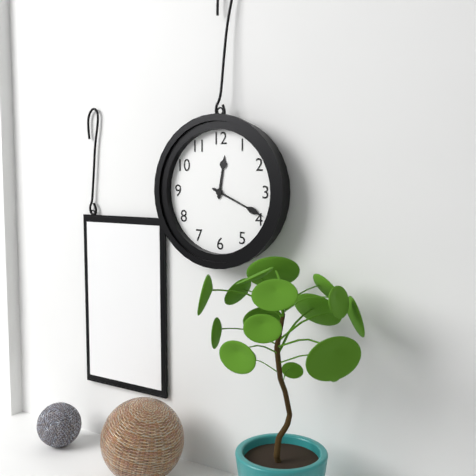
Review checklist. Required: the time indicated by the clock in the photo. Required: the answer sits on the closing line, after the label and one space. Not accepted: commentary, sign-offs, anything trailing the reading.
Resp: 12:19
